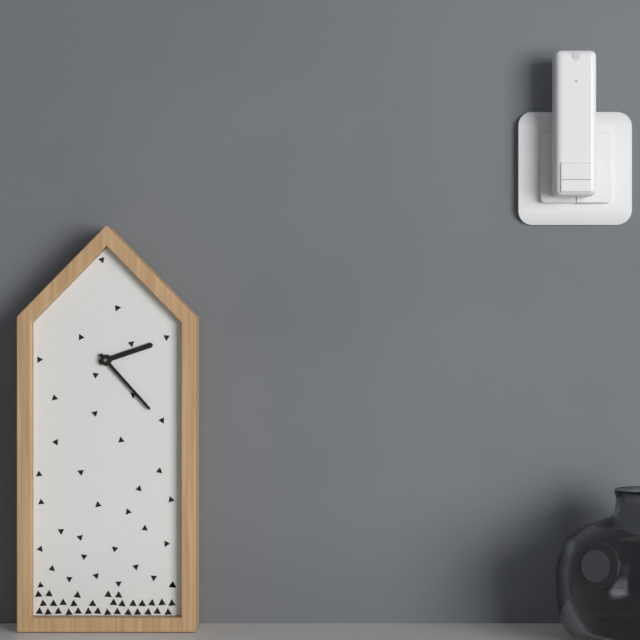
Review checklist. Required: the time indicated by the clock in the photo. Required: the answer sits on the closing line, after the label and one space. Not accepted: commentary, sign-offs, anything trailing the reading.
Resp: 2:23
